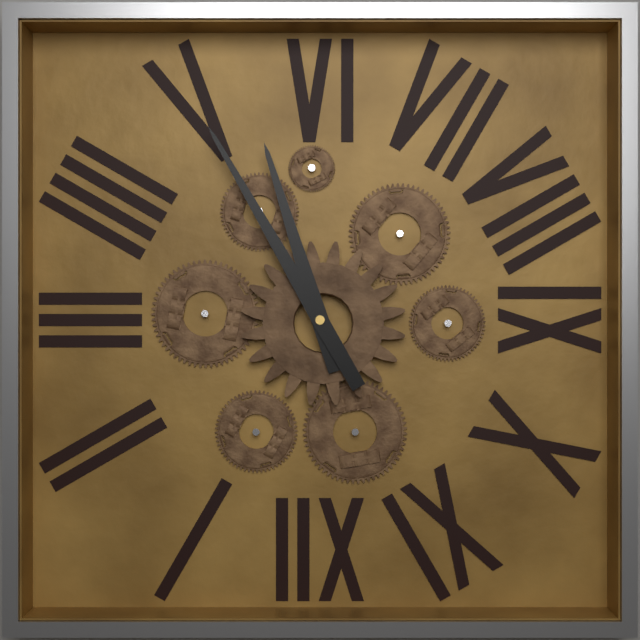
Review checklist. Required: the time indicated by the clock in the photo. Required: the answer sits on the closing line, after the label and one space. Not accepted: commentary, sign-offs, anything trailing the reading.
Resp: 5:25
